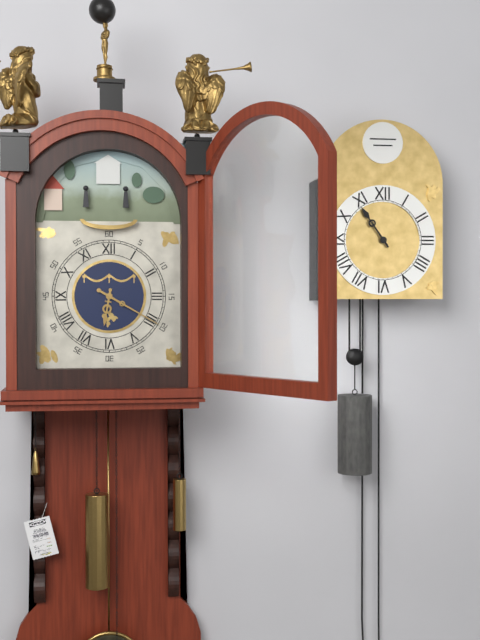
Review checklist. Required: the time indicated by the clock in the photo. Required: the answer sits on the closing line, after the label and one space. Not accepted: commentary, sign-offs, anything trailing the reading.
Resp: 6:20
